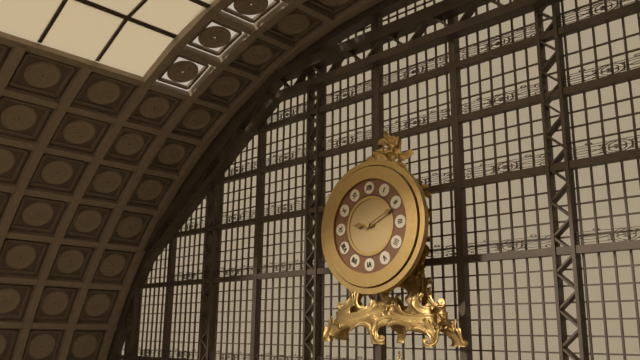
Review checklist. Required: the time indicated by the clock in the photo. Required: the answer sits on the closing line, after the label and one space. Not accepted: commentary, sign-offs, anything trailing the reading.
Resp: 9:11
